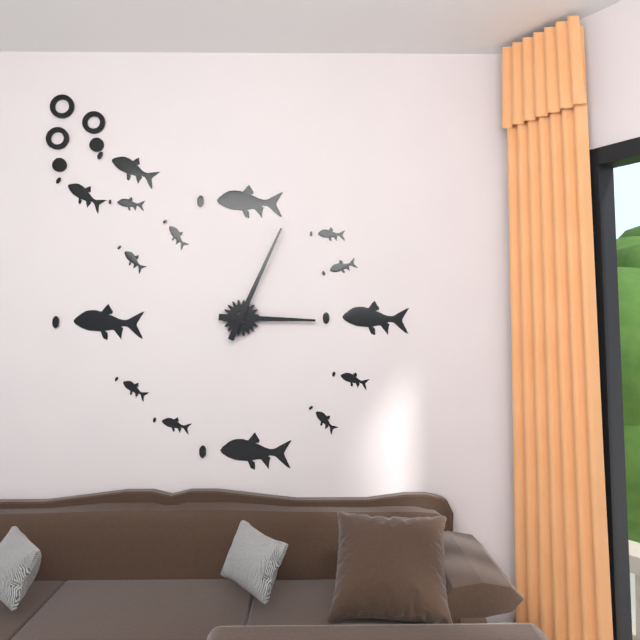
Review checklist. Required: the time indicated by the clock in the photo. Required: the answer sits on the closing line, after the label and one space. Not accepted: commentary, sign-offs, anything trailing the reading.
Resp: 3:04
